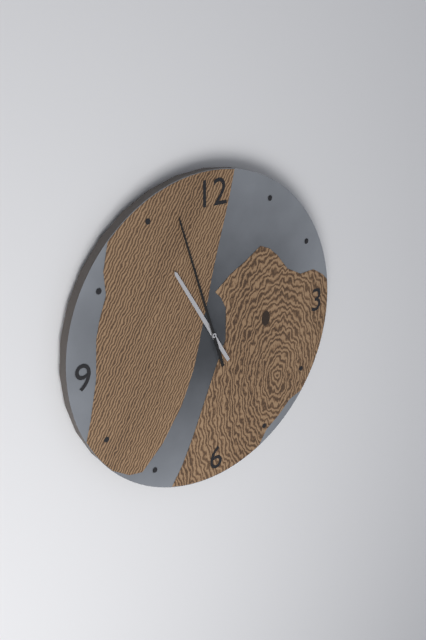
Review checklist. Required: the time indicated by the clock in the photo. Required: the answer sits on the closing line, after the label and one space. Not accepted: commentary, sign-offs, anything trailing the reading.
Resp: 10:57
